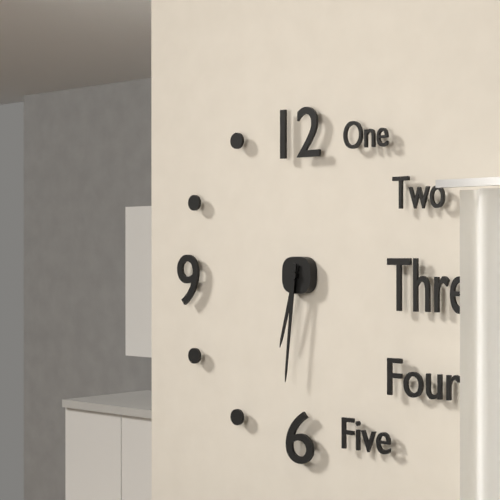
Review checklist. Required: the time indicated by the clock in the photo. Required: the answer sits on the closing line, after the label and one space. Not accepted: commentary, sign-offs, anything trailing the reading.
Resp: 6:31
